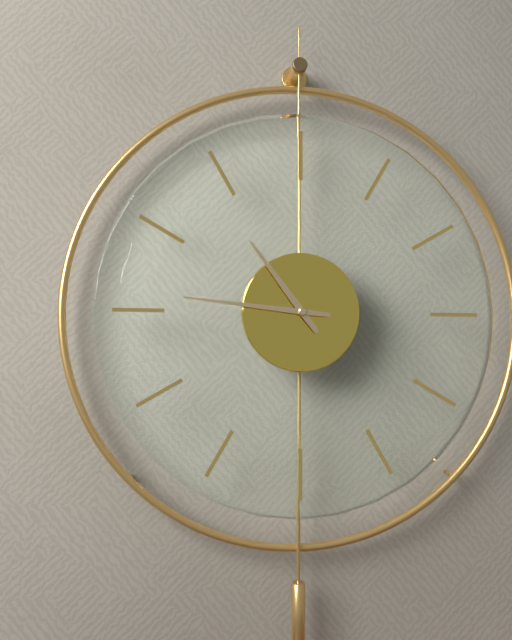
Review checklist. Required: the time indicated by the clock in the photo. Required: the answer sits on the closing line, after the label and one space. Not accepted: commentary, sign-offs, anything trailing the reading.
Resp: 10:46
